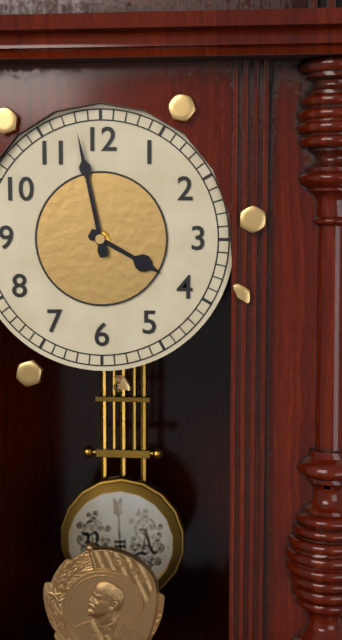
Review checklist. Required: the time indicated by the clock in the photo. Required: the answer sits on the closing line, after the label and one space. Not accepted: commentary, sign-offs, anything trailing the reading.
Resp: 3:58
